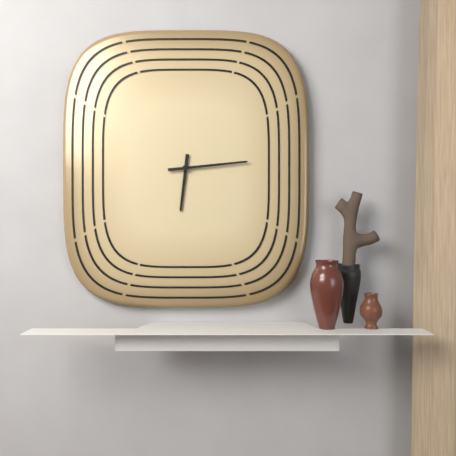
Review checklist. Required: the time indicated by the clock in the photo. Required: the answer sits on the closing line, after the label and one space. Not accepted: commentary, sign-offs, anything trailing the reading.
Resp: 6:14
